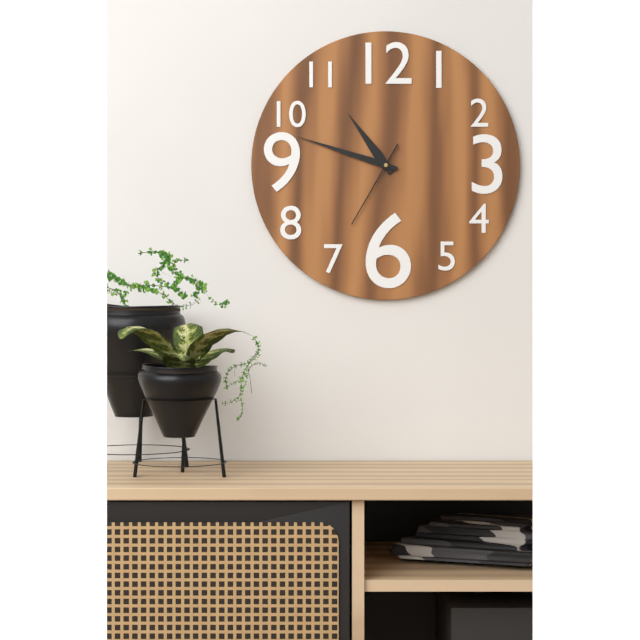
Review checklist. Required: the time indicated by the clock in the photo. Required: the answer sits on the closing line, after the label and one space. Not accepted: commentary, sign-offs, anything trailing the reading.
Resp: 10:48:35
